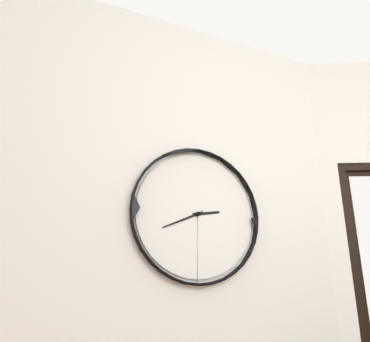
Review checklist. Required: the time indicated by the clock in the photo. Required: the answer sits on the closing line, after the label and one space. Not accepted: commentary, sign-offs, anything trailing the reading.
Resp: 2:41
